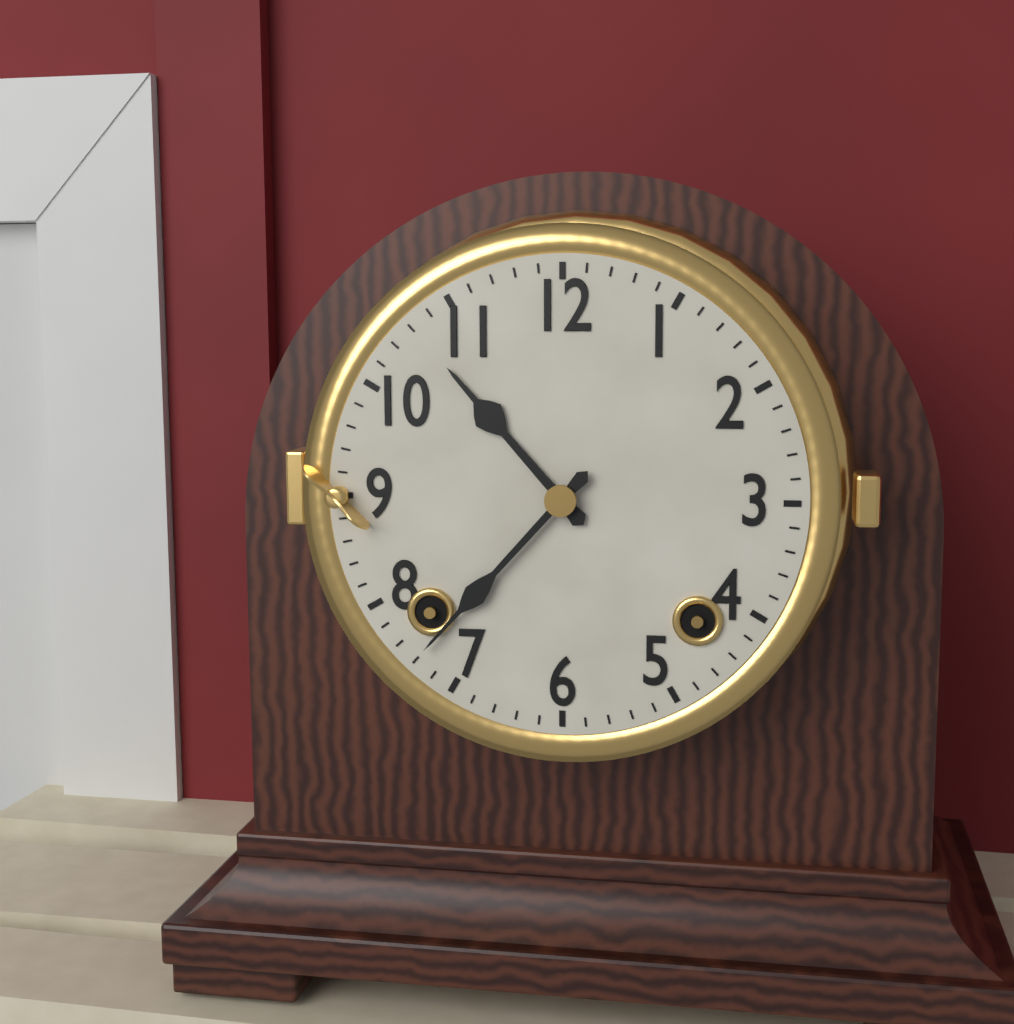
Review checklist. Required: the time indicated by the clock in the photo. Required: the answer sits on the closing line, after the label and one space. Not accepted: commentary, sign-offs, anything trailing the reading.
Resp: 10:37
